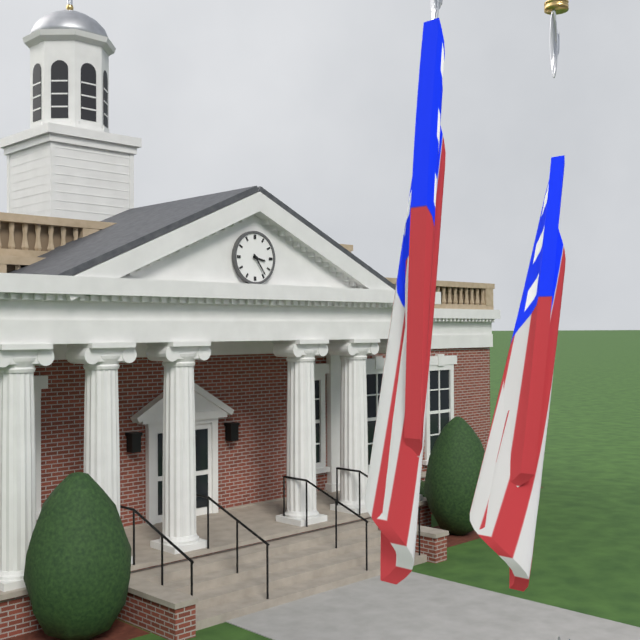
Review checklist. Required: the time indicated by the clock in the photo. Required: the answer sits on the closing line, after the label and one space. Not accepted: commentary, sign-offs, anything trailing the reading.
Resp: 3:24
